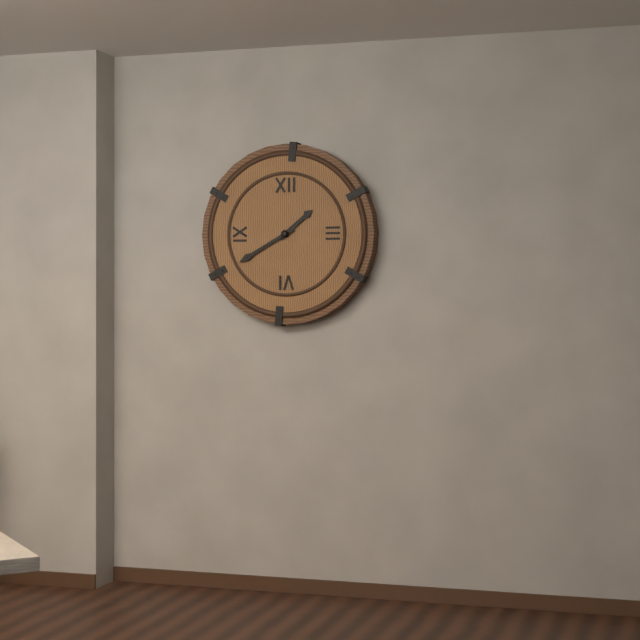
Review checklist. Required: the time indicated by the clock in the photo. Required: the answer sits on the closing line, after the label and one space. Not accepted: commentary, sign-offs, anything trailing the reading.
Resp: 1:40
